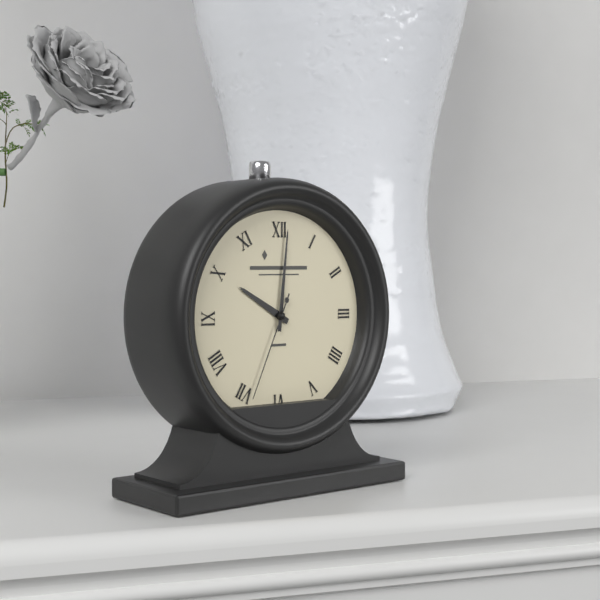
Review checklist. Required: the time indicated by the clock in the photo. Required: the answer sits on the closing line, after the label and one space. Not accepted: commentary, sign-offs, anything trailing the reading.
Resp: 10:01:34
